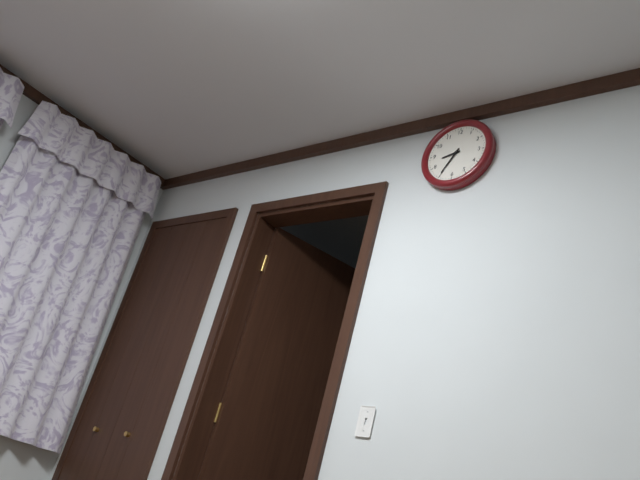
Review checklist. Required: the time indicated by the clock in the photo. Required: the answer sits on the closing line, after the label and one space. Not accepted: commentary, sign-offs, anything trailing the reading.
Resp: 8:35
